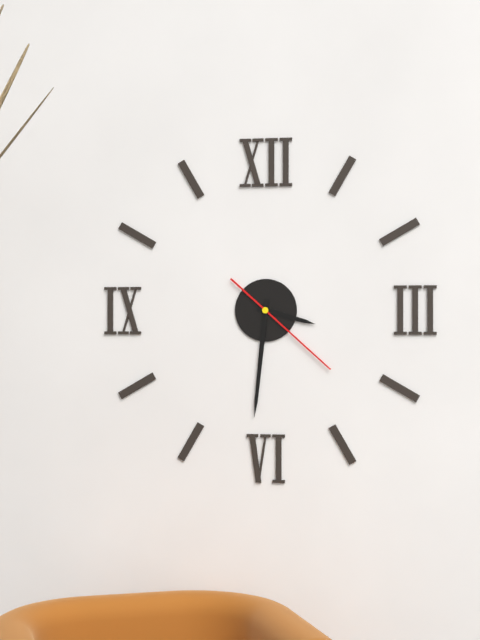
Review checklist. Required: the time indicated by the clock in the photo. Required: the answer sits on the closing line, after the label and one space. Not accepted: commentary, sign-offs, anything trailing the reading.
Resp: 3:31:22
